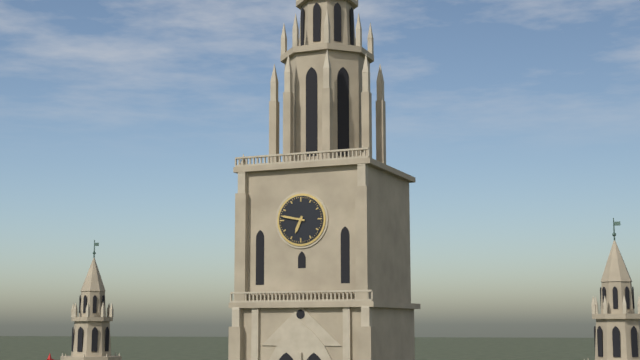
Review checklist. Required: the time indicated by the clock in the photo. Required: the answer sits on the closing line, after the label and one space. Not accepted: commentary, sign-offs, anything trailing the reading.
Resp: 6:47
